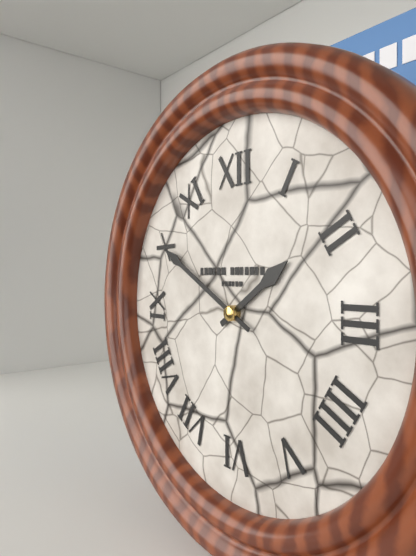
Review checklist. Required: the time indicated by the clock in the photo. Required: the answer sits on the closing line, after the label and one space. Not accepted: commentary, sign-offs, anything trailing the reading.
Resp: 1:50
